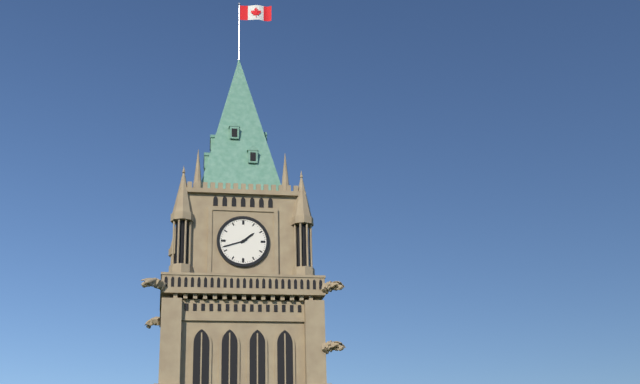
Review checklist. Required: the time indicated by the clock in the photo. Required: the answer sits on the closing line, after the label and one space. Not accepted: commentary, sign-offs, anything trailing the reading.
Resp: 1:42
